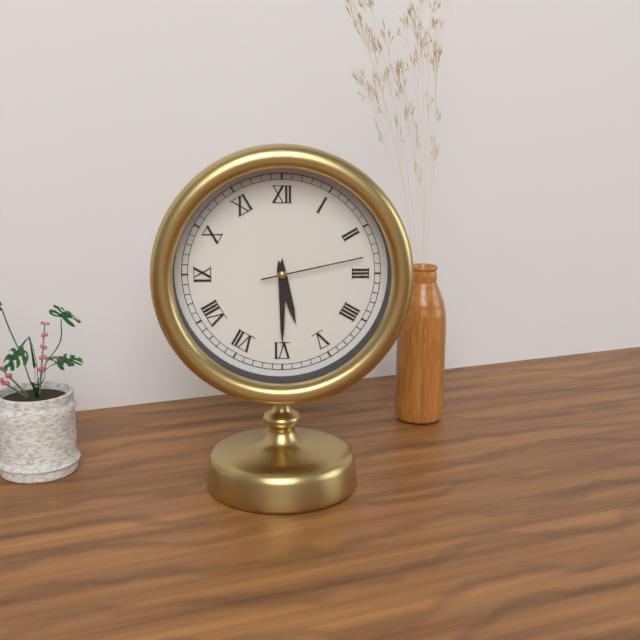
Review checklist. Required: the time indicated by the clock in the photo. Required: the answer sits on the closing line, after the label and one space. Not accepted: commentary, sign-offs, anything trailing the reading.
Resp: 5:30:13
